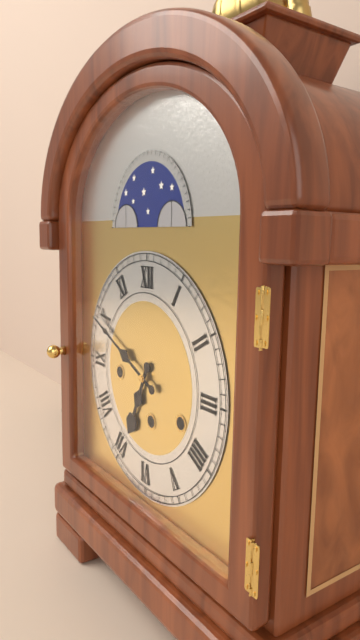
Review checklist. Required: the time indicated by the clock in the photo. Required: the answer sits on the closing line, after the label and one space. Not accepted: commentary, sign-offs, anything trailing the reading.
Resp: 6:49
